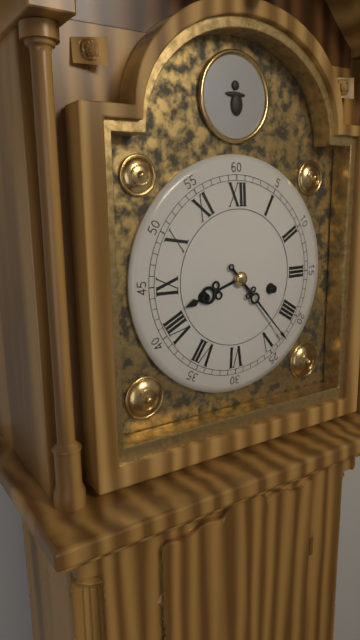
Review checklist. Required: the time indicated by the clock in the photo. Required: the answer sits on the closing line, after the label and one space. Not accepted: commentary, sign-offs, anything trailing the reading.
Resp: 8:23
